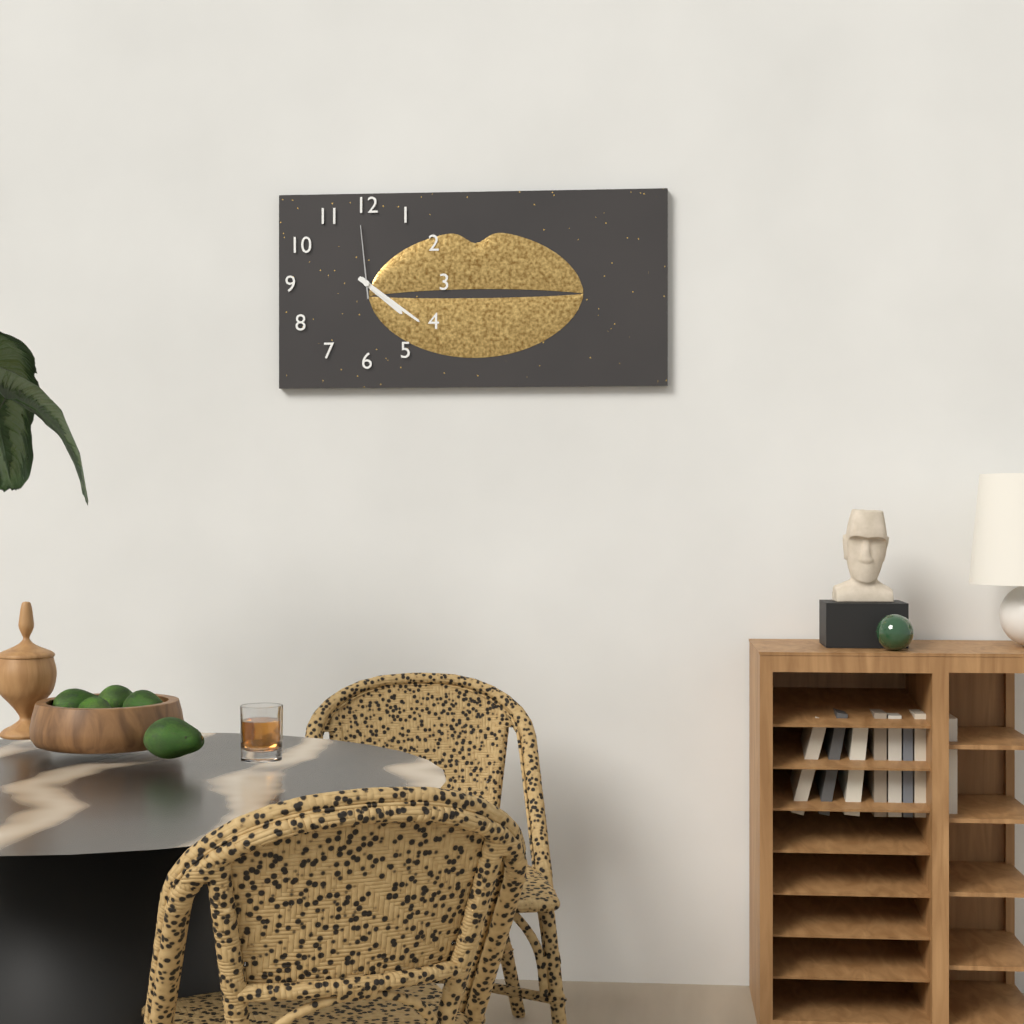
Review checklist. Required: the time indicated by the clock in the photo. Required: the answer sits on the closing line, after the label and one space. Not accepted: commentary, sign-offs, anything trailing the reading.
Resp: 4:21:59
